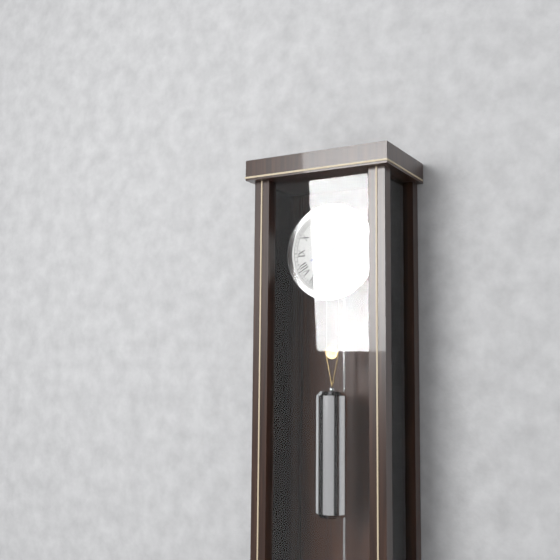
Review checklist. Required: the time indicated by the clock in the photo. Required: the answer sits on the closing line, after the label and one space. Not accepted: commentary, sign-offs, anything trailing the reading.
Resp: 8:17
